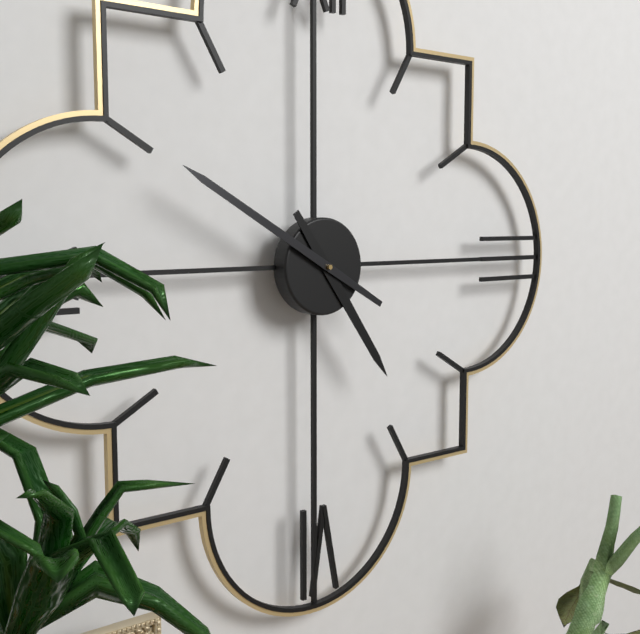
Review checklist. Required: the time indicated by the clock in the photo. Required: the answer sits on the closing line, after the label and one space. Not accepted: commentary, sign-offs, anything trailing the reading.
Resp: 4:50
